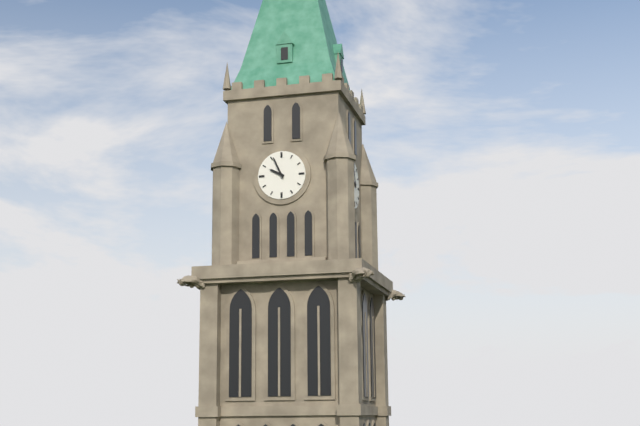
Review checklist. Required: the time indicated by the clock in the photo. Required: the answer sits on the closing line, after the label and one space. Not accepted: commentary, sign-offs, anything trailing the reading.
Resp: 9:56
